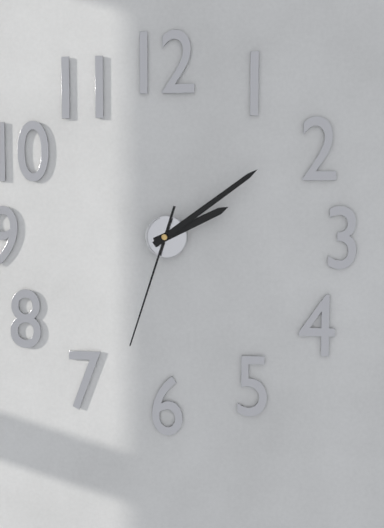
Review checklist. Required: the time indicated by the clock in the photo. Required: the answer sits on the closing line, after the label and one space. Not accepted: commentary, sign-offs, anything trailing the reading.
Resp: 2:09:33
